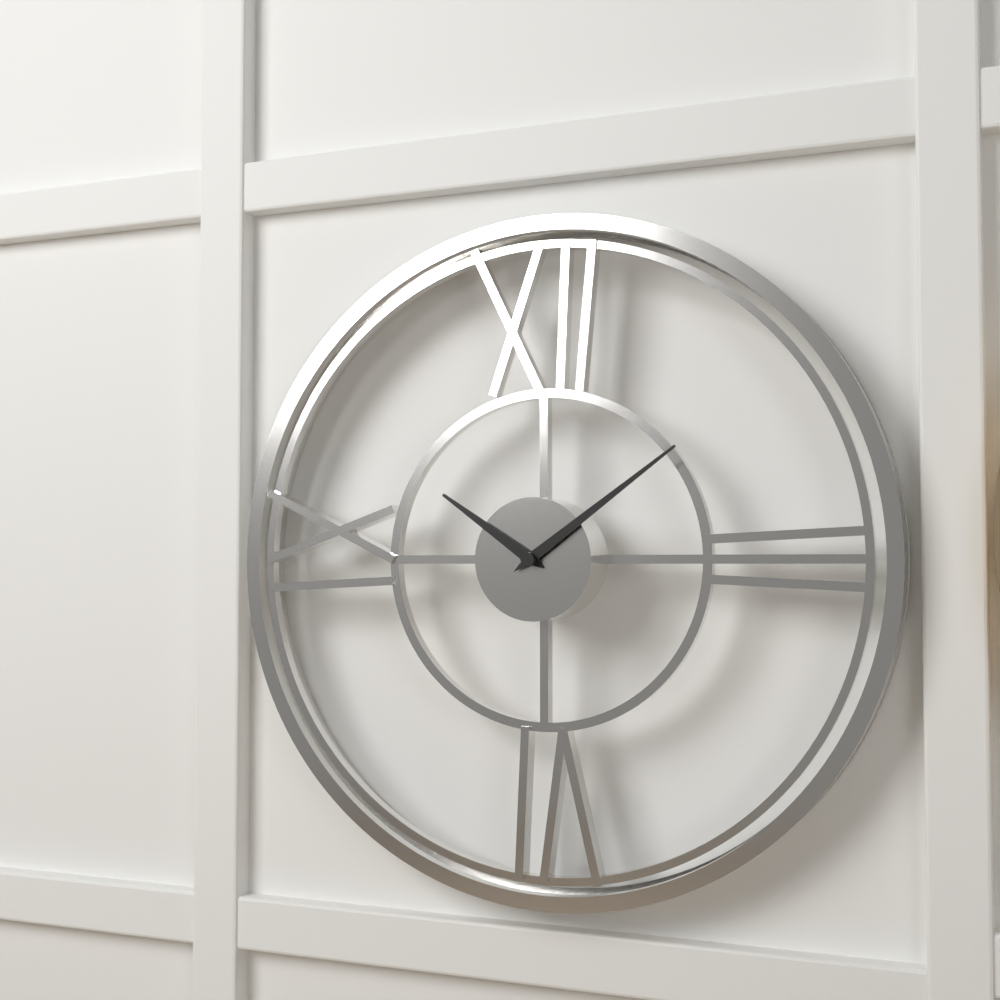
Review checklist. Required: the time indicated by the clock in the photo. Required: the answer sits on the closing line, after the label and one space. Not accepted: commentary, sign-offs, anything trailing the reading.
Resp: 10:09
